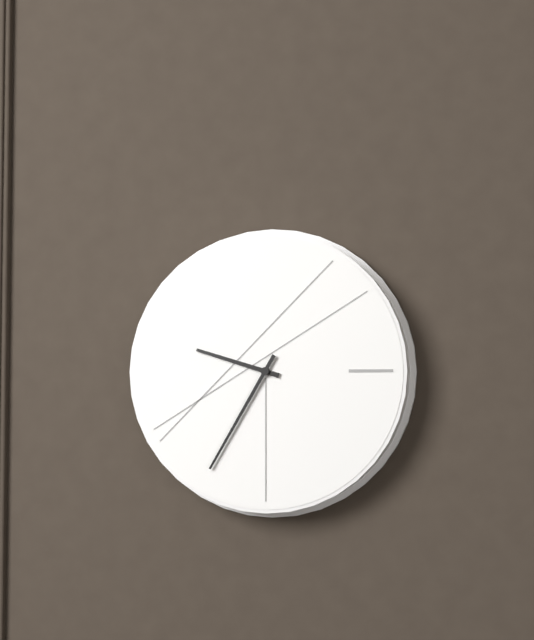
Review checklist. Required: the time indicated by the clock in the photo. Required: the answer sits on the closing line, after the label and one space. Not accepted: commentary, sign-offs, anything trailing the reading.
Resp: 9:35
